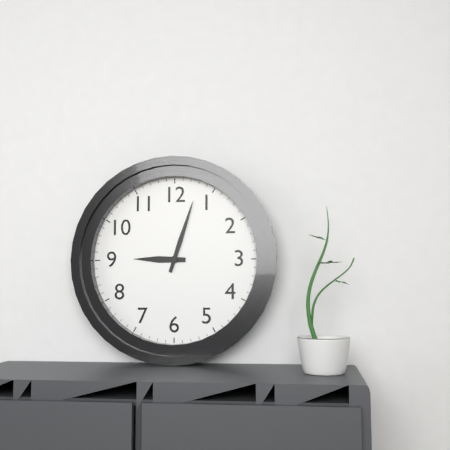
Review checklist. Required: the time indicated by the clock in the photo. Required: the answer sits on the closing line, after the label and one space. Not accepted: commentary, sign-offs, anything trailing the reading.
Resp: 9:03
